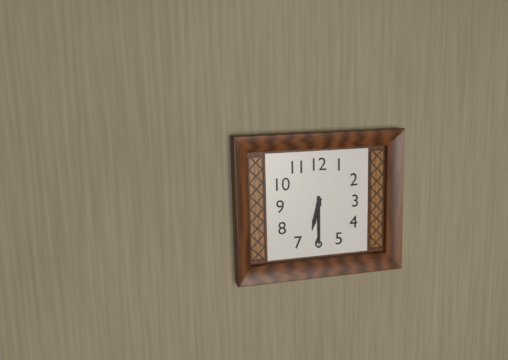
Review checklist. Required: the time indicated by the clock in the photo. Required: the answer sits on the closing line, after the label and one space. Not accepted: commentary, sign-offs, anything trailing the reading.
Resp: 6:30
